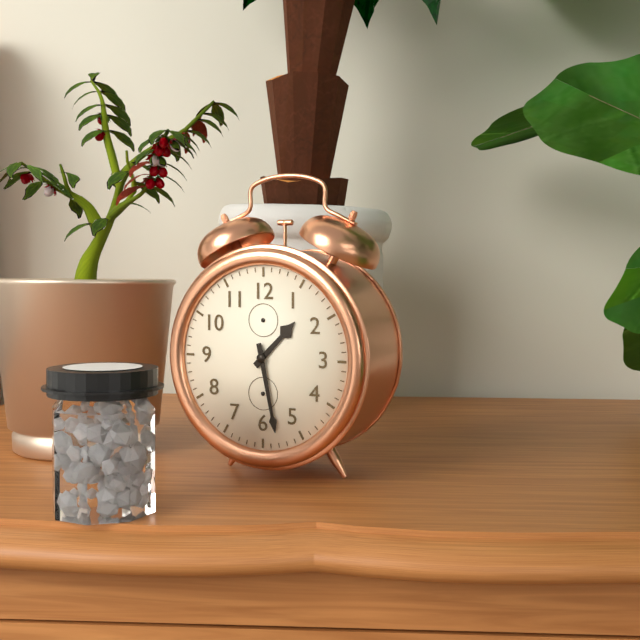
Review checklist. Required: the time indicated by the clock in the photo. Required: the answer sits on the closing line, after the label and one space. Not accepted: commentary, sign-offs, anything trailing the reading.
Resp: 1:28
